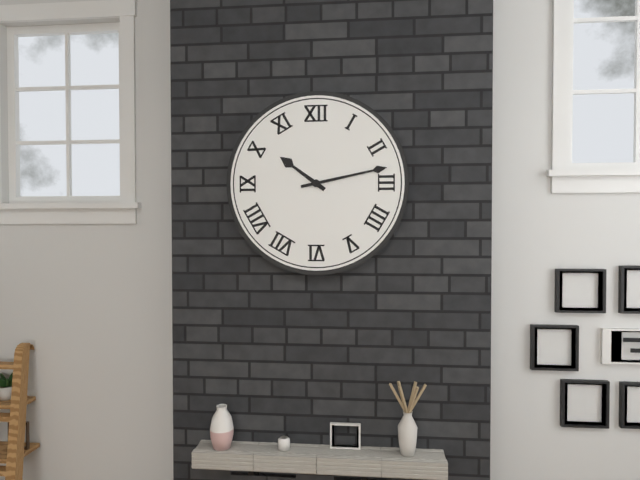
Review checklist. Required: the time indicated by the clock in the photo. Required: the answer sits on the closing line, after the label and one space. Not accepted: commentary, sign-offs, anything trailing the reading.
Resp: 10:13
